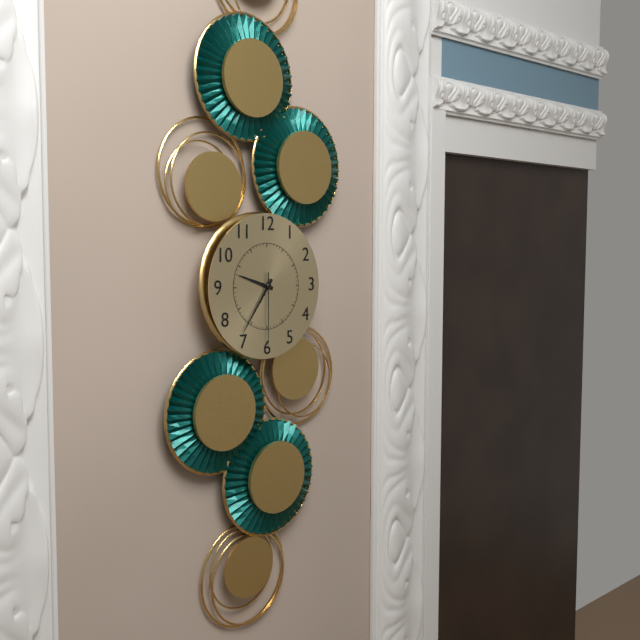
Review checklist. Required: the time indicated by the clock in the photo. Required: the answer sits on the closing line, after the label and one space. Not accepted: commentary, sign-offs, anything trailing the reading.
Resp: 9:36:30
